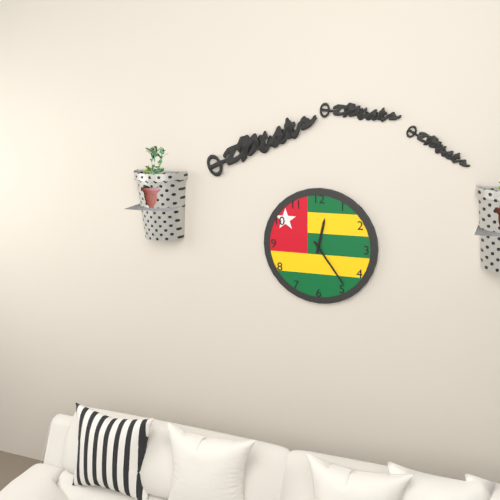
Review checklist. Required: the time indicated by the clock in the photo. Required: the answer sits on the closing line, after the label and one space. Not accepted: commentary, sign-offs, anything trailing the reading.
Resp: 12:24
